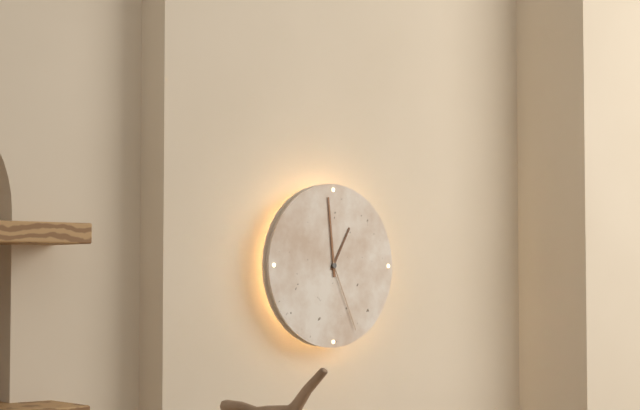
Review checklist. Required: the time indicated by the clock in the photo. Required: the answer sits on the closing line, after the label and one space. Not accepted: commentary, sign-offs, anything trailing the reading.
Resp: 12:59:26
